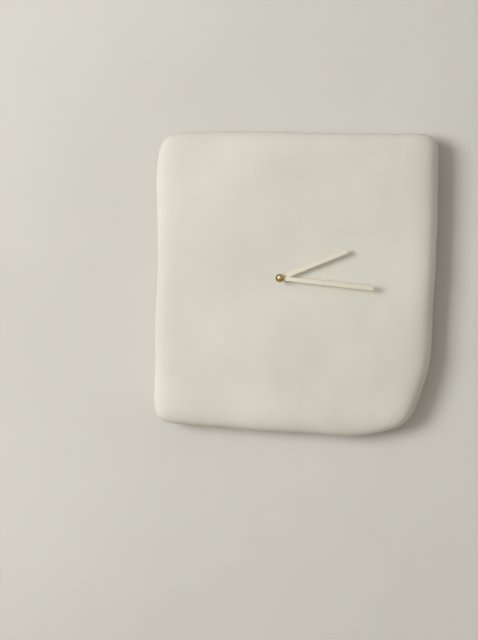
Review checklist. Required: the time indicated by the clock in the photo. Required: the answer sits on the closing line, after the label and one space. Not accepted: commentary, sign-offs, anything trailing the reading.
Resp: 2:16
